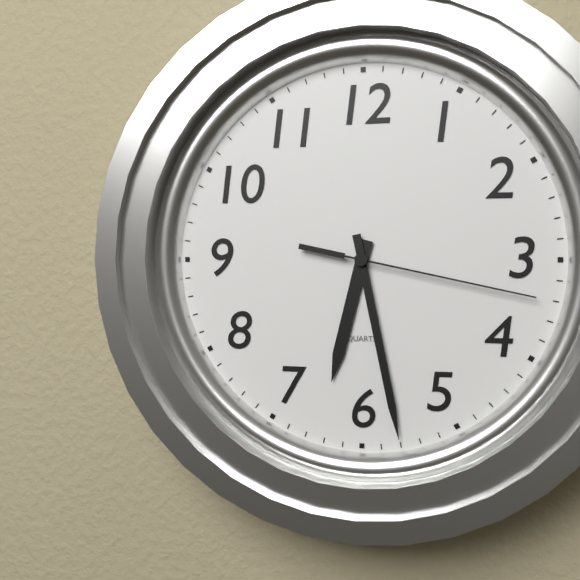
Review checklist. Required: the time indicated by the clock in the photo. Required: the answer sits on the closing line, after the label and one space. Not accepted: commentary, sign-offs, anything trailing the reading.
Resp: 6:28:17
